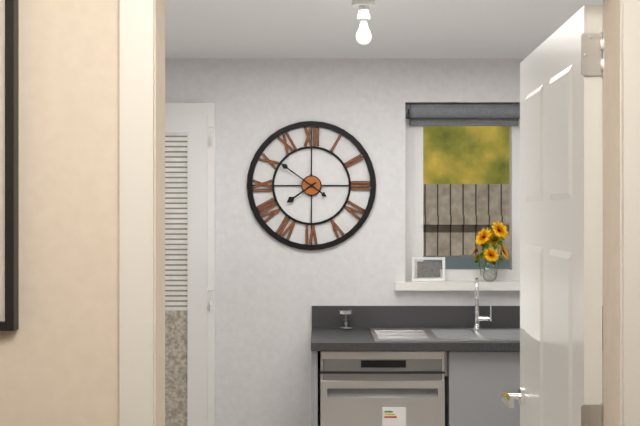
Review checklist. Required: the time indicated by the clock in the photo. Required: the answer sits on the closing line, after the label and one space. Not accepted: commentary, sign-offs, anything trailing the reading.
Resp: 7:51
